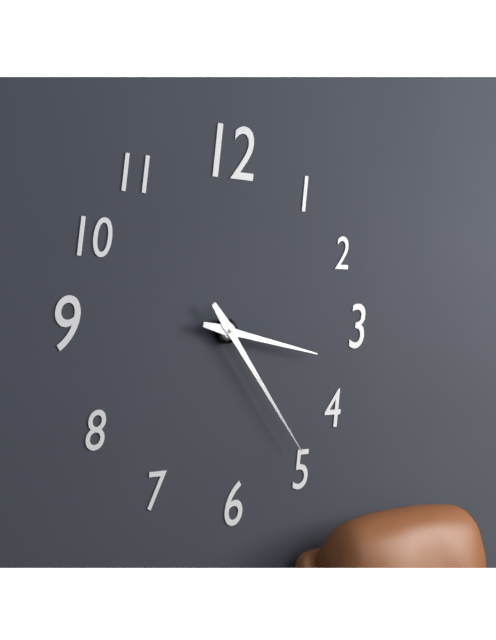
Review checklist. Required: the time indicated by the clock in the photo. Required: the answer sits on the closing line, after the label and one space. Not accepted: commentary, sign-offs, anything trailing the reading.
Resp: 3:24
